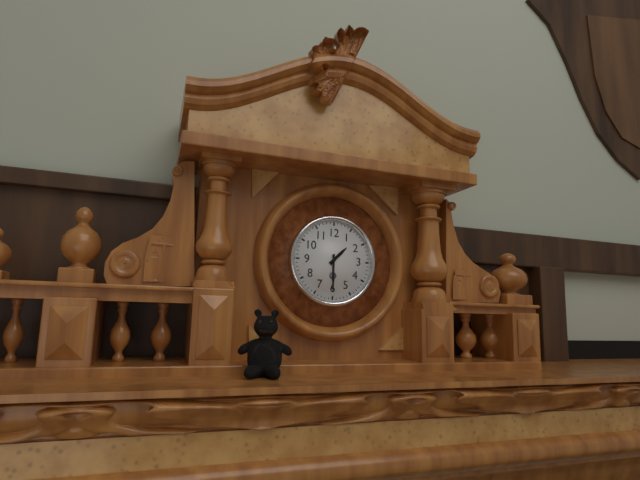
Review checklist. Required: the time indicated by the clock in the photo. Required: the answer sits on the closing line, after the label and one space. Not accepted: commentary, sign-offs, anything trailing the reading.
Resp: 1:30
